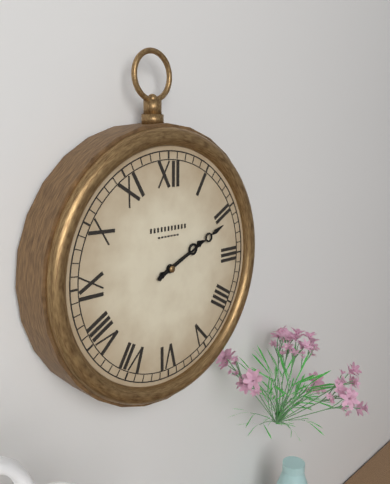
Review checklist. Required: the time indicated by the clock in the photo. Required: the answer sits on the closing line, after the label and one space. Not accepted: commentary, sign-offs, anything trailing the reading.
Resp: 2:11
